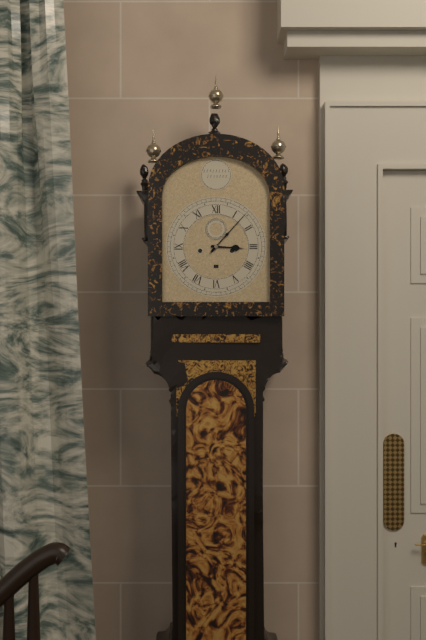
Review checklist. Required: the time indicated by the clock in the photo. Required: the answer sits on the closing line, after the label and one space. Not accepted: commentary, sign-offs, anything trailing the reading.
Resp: 3:07
